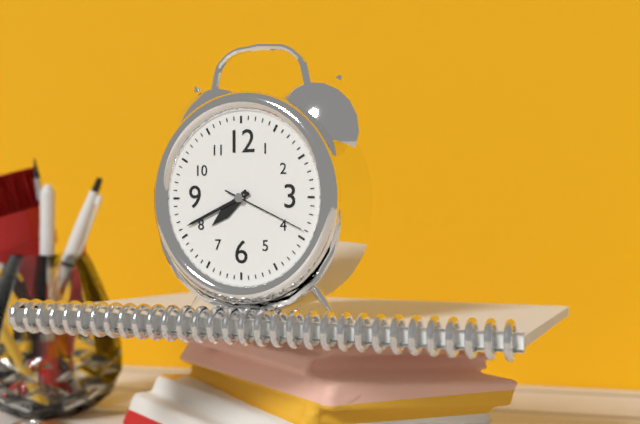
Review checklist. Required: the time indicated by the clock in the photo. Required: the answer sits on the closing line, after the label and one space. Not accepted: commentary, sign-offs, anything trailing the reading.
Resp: 7:41:19
